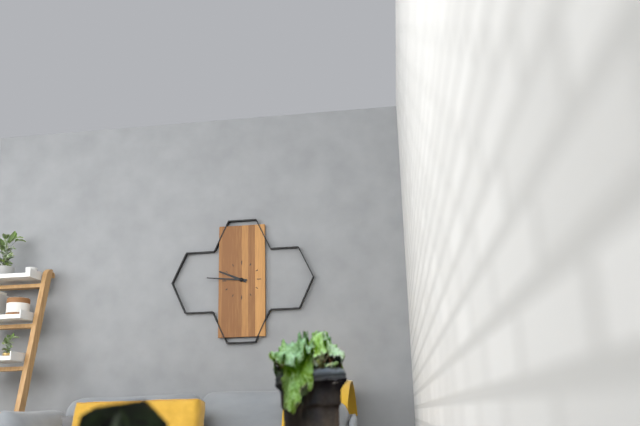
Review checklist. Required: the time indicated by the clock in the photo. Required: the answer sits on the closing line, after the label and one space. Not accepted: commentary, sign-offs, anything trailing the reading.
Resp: 9:46
